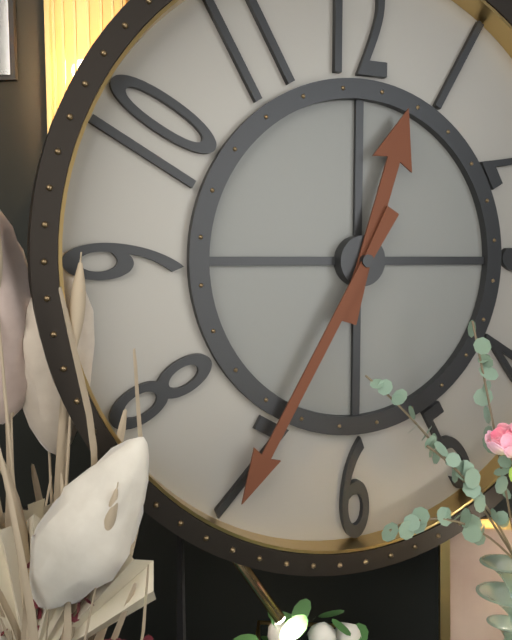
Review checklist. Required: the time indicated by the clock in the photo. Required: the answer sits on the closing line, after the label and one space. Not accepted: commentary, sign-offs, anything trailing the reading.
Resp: 12:35
